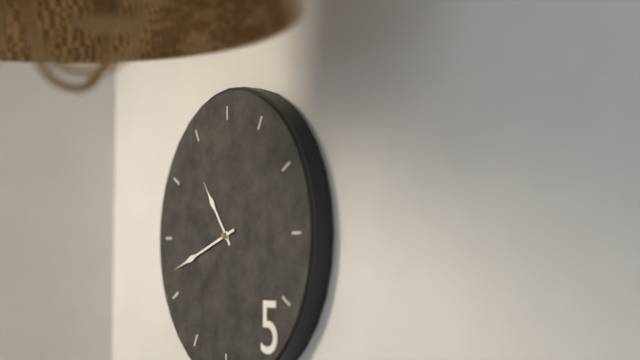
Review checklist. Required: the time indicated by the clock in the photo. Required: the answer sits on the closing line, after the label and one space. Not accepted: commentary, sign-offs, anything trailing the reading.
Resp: 10:42
